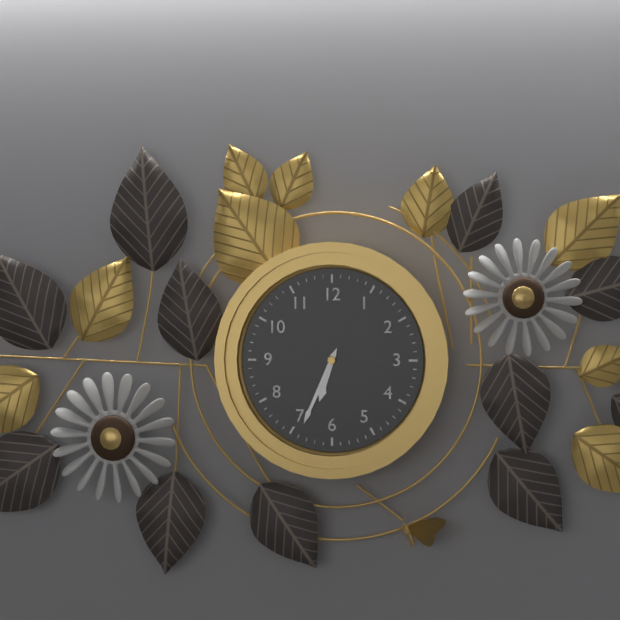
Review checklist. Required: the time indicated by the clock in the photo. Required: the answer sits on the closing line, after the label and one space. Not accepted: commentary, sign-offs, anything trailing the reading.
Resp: 6:34
